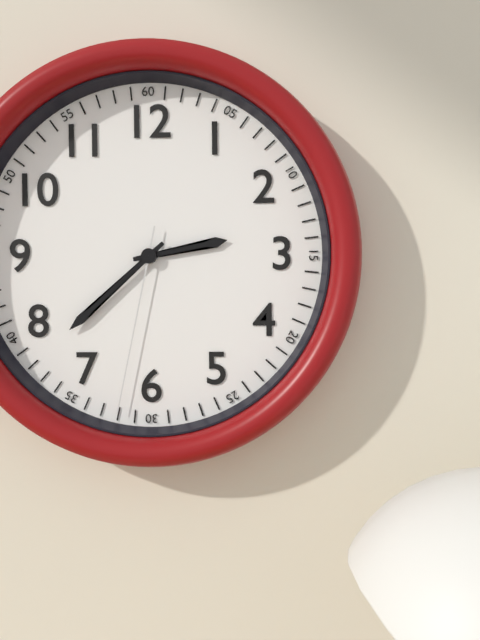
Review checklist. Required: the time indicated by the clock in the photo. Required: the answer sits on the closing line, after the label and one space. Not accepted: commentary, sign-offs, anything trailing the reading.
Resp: 2:38:32
